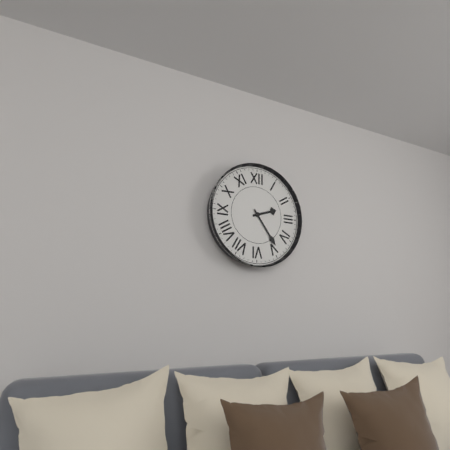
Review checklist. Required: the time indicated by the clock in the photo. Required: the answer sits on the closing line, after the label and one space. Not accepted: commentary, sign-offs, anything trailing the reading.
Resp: 2:24
